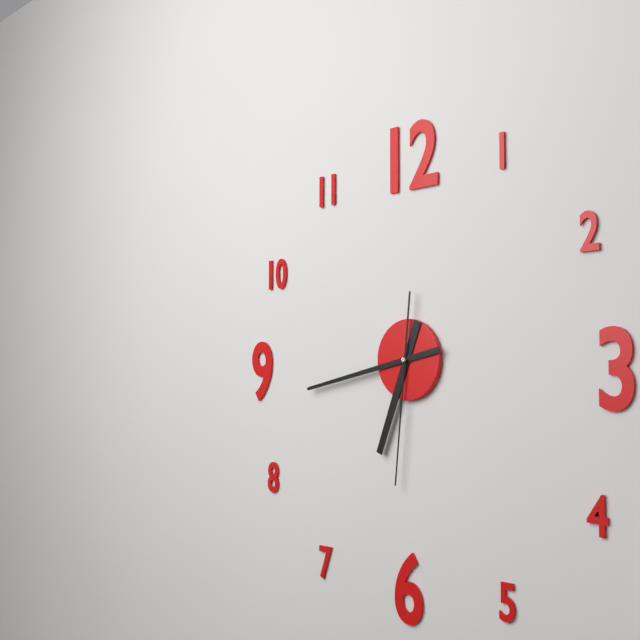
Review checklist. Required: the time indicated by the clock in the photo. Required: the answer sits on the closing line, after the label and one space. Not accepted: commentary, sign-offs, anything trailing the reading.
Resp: 6:43:31
